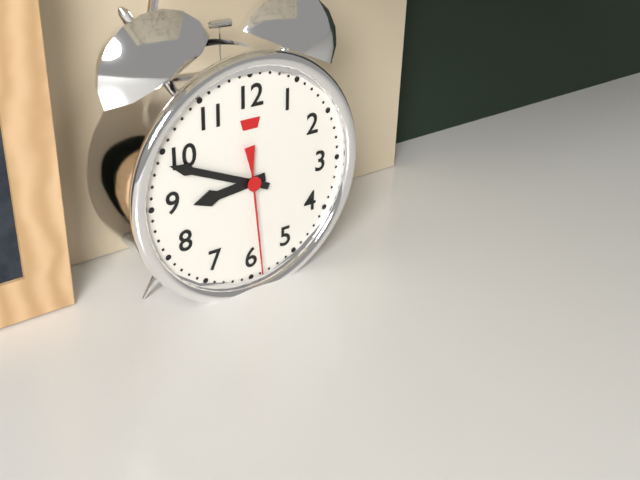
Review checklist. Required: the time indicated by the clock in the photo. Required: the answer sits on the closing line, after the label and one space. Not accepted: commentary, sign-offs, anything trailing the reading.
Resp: 8:49:29
